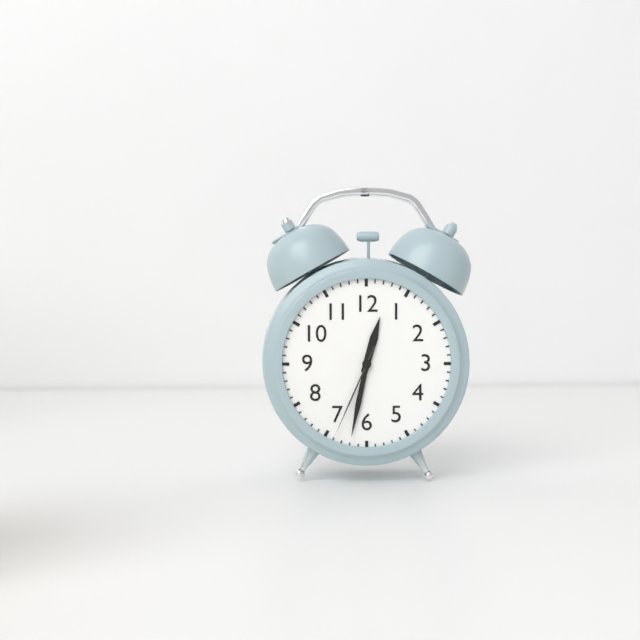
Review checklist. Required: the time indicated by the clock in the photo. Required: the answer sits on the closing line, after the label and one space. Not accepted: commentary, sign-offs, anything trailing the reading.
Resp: 12:32:34
